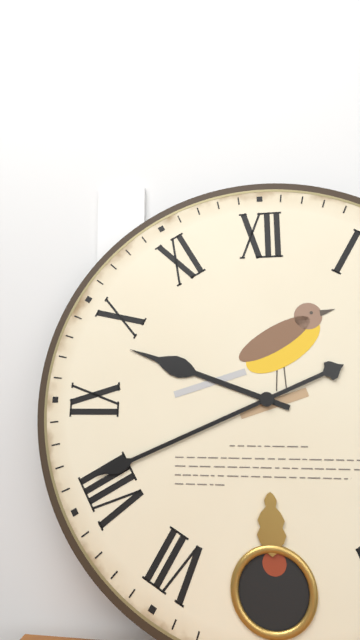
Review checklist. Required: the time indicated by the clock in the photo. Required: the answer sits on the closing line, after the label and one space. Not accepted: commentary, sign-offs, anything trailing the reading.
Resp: 9:41
